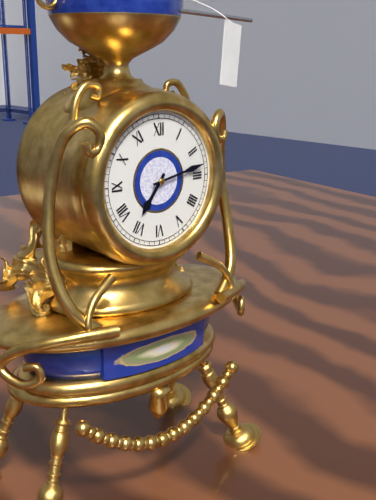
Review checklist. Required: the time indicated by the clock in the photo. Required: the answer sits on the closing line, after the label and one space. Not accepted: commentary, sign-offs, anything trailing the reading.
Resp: 7:13
